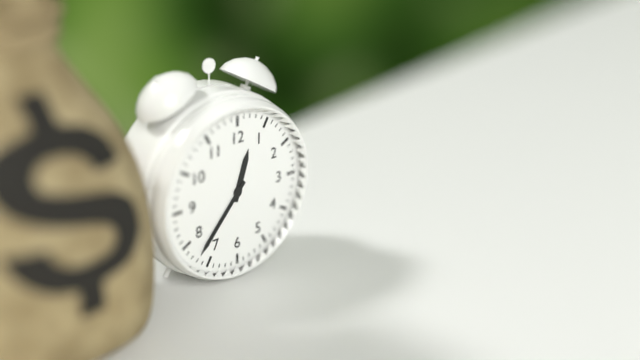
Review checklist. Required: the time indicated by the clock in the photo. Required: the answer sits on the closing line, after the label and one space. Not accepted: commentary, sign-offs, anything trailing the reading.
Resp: 12:37
